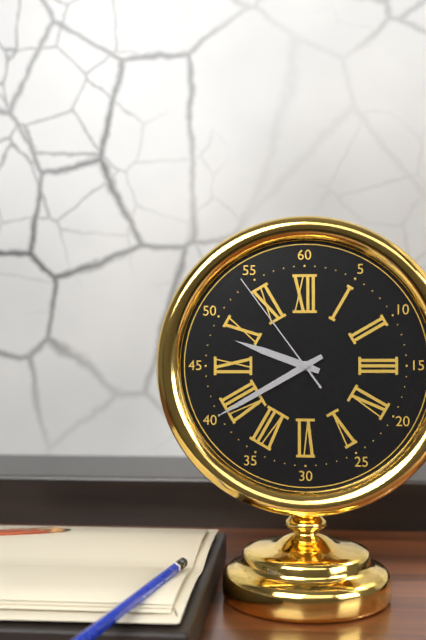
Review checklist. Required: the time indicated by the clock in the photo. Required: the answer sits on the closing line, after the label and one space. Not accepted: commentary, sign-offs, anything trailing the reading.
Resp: 9:40:54
